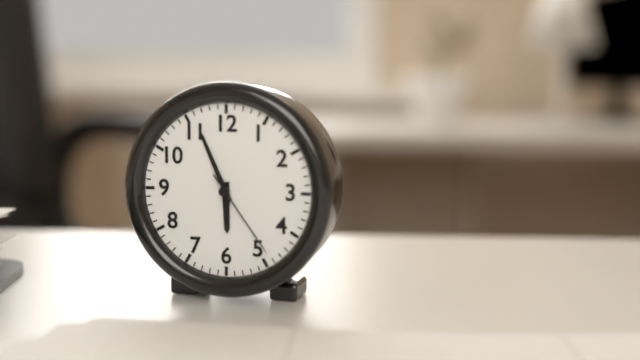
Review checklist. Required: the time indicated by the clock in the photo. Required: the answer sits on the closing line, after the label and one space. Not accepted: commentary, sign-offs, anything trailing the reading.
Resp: 5:56:24
